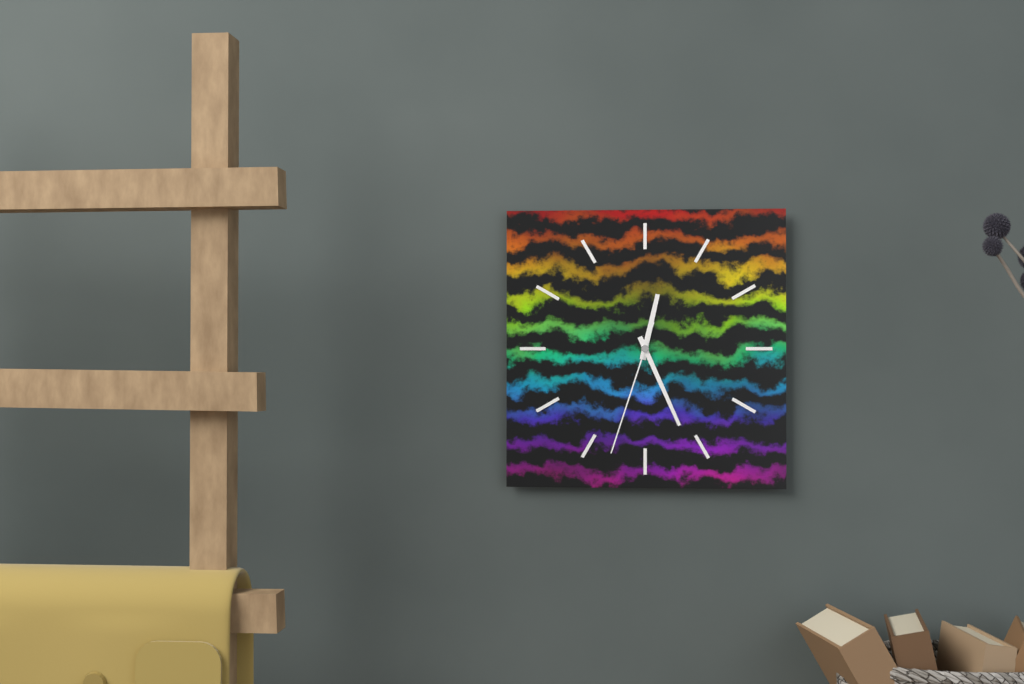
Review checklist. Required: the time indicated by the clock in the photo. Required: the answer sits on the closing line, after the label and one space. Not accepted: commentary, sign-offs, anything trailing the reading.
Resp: 12:26:33
